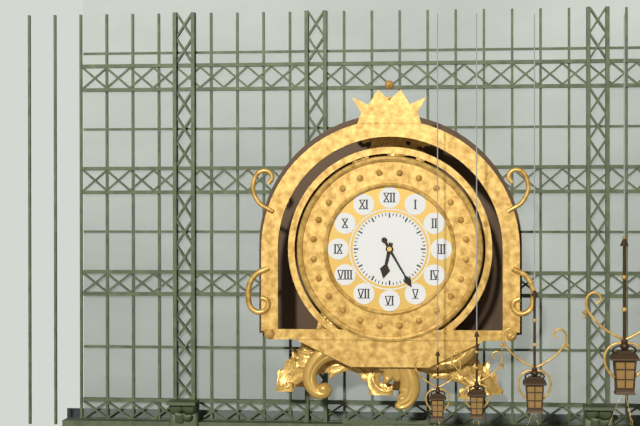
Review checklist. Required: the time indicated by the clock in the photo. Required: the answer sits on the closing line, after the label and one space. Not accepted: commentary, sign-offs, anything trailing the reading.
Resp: 6:25
